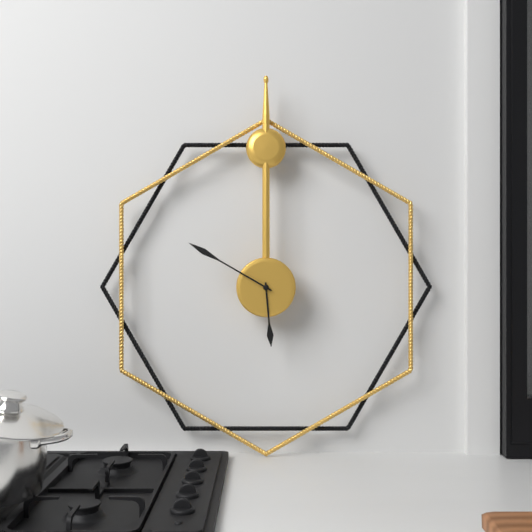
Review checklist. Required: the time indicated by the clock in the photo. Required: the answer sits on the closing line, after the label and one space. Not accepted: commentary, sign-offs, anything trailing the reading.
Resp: 5:50
